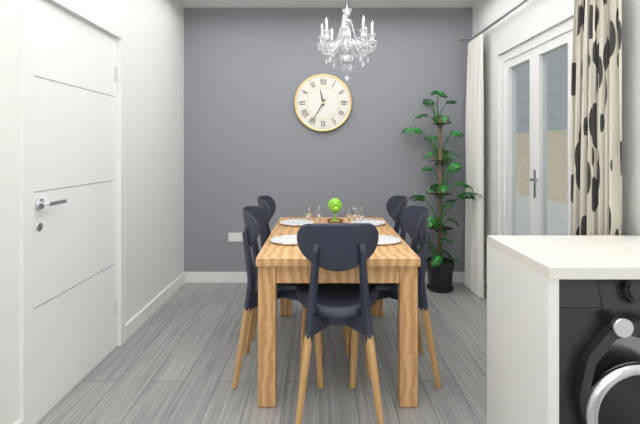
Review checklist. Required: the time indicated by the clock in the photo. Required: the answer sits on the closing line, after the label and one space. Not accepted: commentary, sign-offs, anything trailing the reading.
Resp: 11:35
